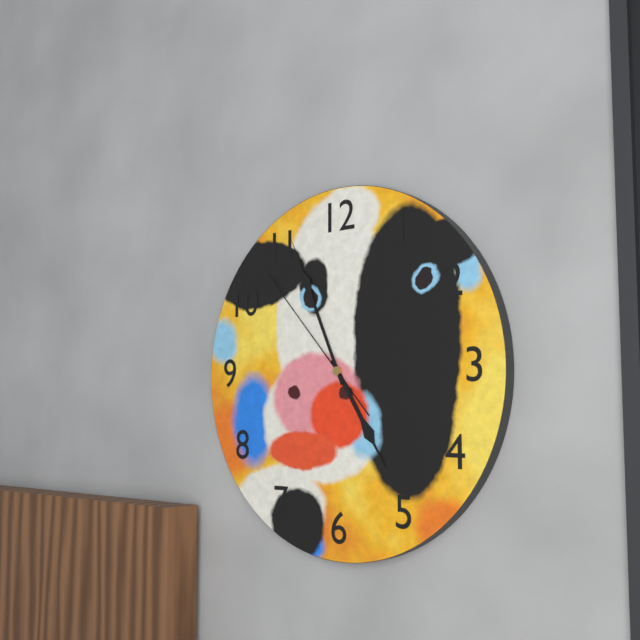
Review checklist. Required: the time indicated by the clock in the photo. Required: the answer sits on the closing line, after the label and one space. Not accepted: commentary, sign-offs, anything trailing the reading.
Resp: 4:56:53
